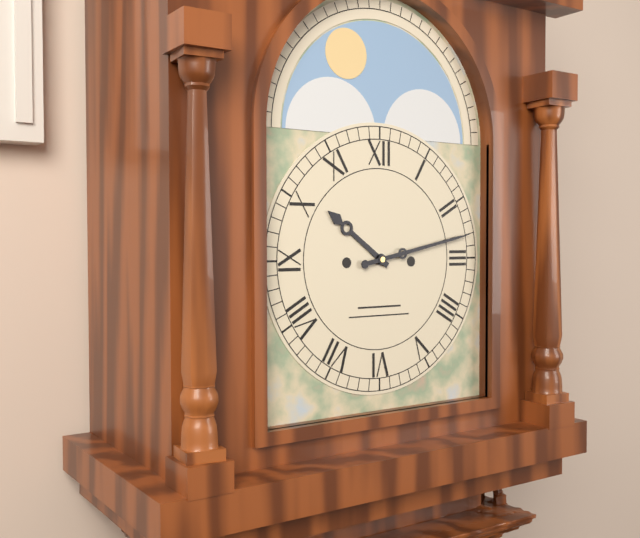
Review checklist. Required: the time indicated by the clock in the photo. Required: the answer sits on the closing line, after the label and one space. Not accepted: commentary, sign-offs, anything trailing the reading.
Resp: 10:13
